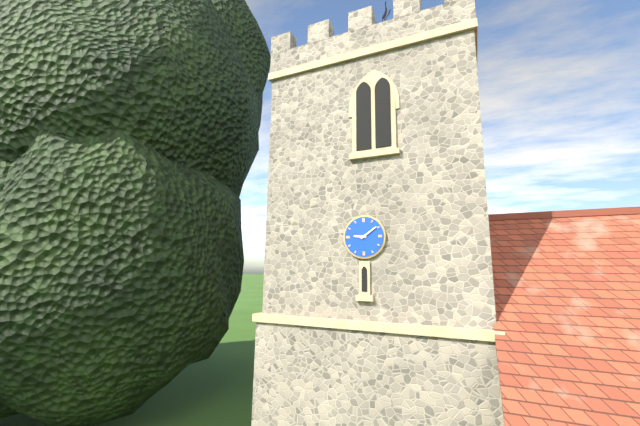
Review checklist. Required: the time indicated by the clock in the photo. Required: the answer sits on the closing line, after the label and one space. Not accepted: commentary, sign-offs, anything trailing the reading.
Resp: 9:09
